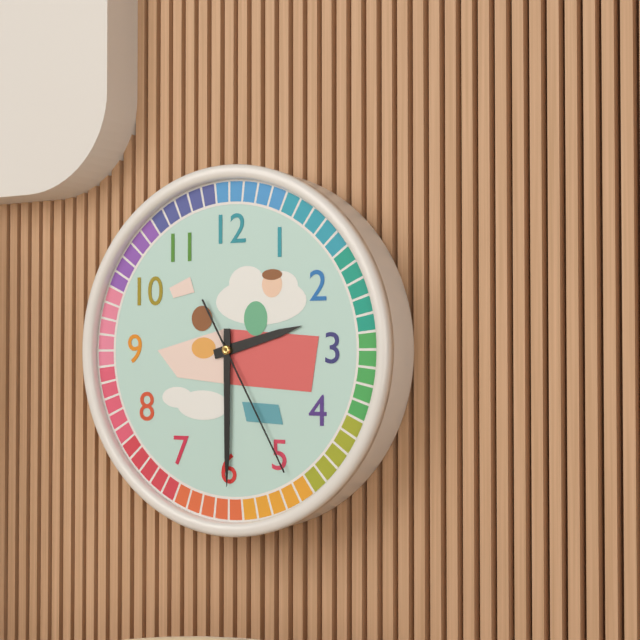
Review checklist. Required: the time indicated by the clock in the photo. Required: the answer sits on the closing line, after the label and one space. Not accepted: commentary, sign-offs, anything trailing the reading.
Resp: 2:30:25
